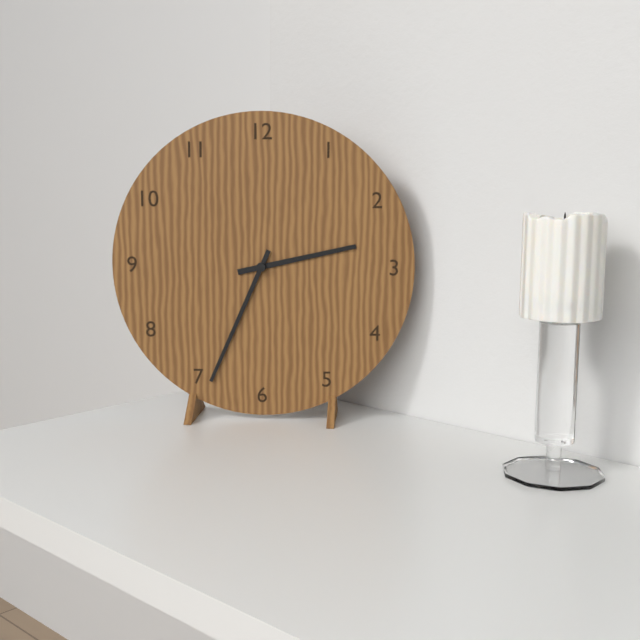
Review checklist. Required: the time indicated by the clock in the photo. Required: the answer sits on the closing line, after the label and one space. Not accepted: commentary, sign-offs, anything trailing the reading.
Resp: 2:34
